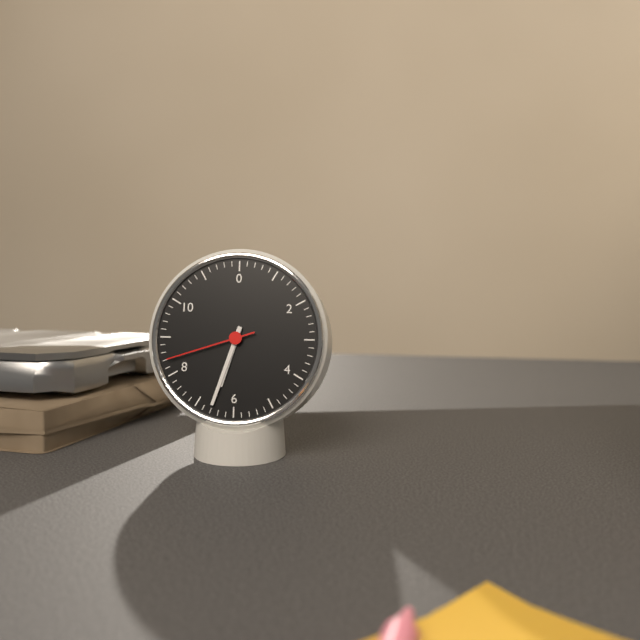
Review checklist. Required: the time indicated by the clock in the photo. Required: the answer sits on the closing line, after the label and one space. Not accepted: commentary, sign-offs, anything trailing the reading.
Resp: 6:33:42
